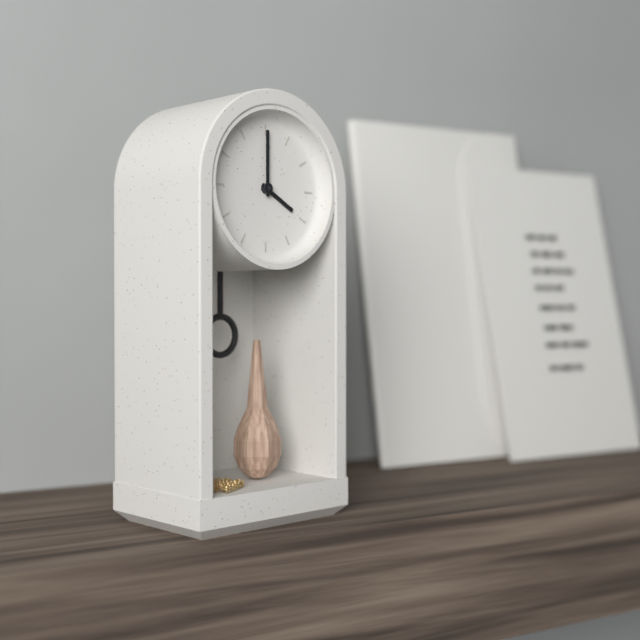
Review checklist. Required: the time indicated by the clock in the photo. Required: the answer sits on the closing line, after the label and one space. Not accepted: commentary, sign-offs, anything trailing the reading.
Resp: 4:00
